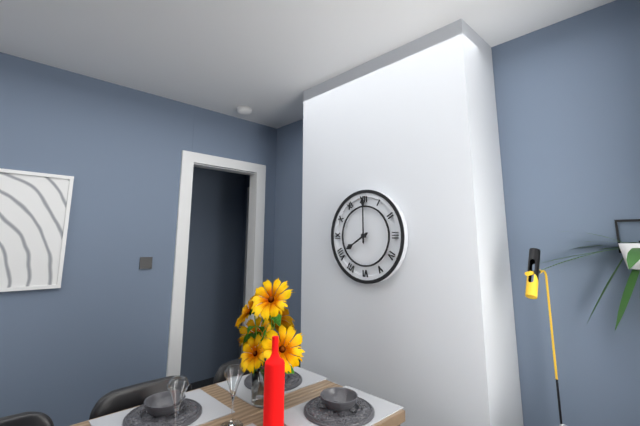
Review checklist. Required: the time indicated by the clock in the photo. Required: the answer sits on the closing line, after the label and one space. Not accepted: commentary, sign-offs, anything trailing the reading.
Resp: 8:00
